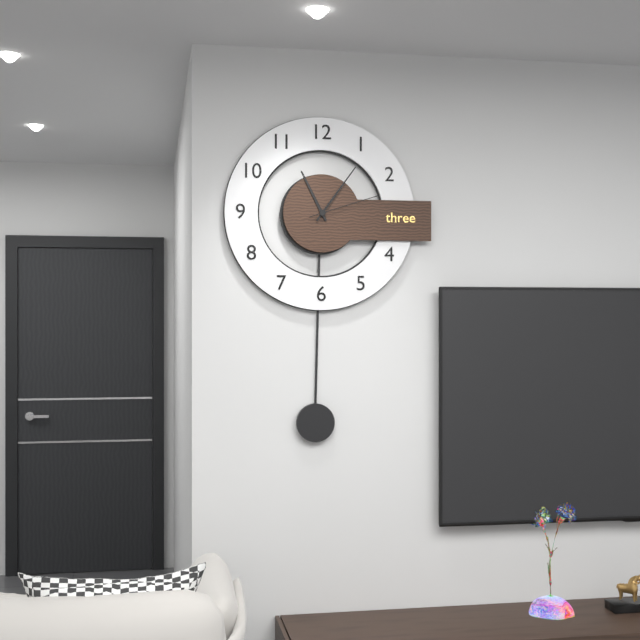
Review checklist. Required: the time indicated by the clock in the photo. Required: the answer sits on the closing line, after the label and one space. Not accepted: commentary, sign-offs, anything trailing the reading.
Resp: 11:06:12
